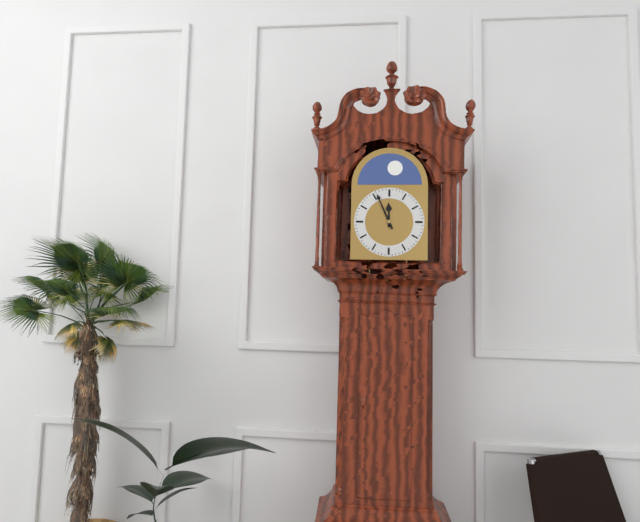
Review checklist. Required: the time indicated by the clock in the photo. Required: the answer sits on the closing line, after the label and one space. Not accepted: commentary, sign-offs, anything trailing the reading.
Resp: 11:56
